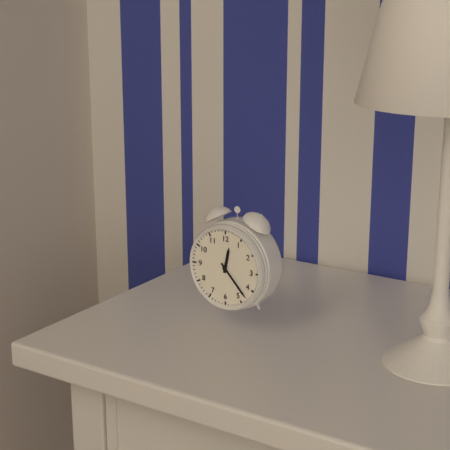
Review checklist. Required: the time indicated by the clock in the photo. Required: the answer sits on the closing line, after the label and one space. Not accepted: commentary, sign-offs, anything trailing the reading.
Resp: 12:23
